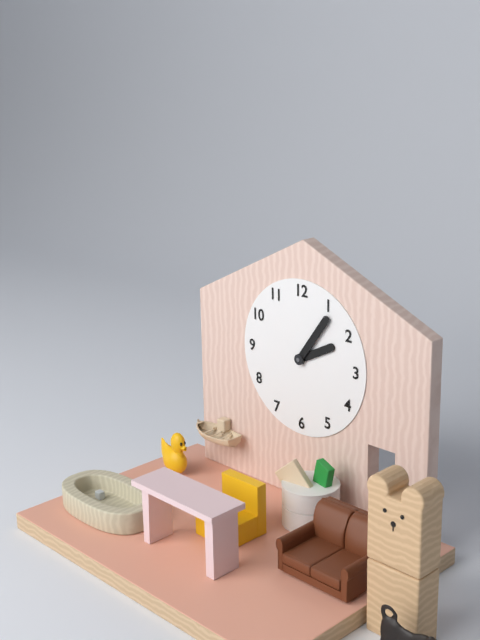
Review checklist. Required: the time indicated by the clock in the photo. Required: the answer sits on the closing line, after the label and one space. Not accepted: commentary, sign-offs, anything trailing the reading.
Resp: 2:06
